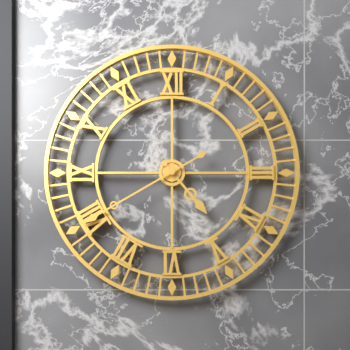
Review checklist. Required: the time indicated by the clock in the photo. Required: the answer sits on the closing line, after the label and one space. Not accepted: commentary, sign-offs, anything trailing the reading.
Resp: 4:40
